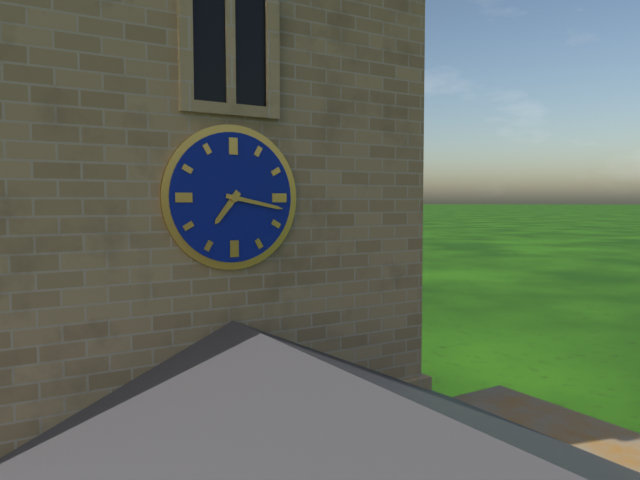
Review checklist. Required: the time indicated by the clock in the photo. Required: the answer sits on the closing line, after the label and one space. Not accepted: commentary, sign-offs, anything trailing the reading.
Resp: 7:17
